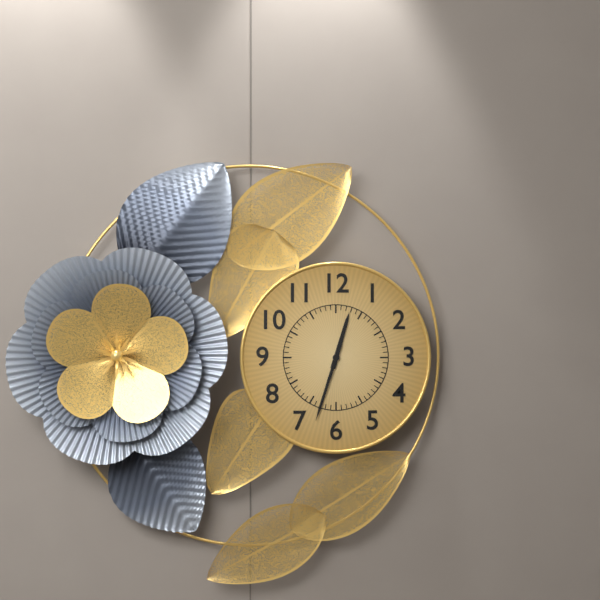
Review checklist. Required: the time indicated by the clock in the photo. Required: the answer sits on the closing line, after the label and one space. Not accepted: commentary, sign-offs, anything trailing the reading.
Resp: 12:33
